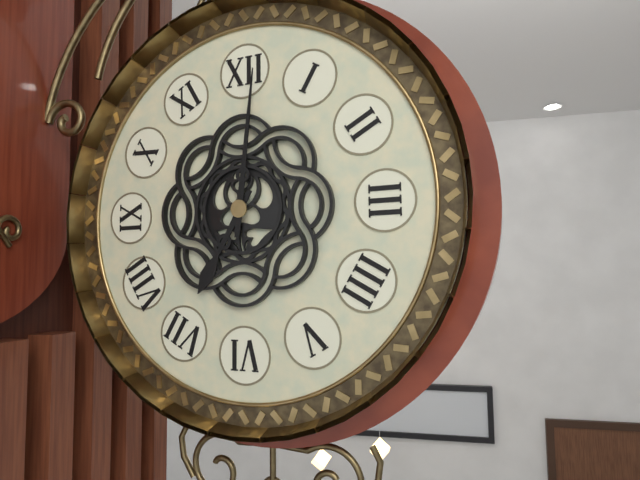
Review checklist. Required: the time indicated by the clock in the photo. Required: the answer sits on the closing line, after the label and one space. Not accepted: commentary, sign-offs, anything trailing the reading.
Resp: 7:01
